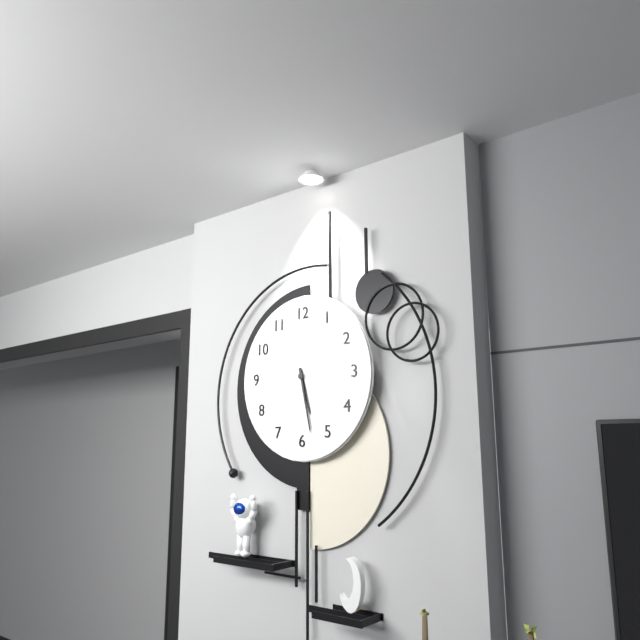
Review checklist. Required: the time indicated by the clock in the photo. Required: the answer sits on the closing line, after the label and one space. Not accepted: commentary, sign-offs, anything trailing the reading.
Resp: 5:28
